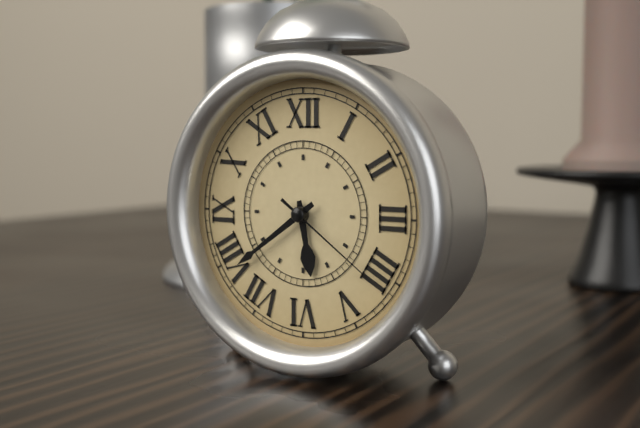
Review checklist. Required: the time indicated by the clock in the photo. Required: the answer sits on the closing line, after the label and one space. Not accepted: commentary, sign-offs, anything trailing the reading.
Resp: 5:39:21
